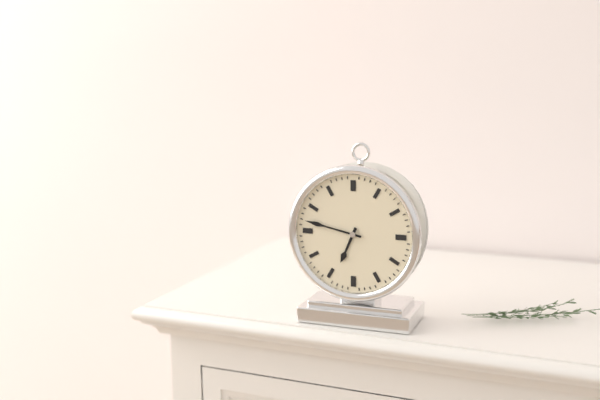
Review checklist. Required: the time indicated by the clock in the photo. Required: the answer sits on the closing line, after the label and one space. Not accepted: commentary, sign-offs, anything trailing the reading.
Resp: 6:47
